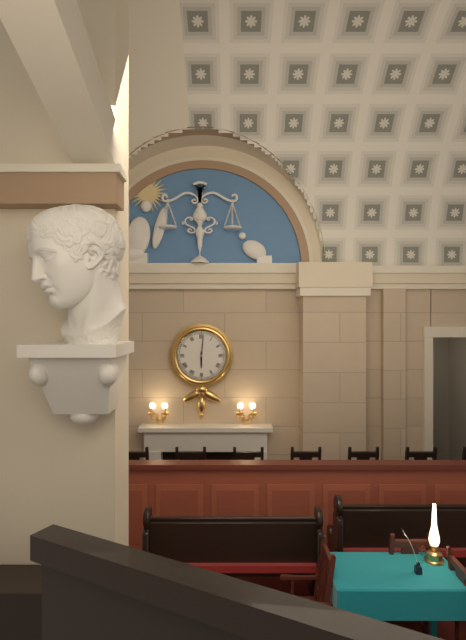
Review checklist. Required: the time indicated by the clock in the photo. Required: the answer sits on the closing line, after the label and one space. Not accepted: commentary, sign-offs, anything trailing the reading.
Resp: 6:01
